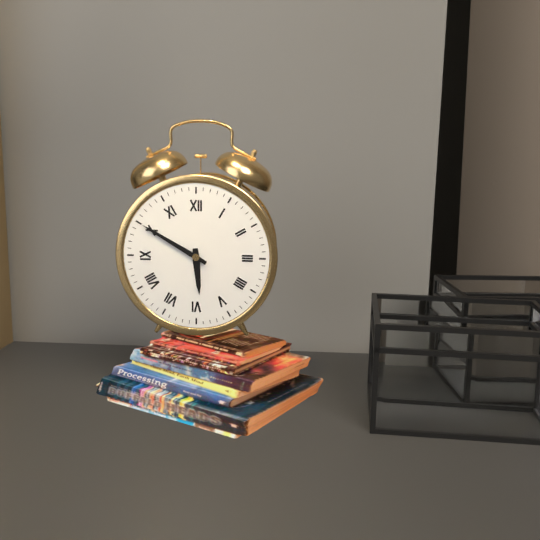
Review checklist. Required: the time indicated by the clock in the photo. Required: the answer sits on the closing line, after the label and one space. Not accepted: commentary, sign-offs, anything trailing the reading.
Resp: 5:50
